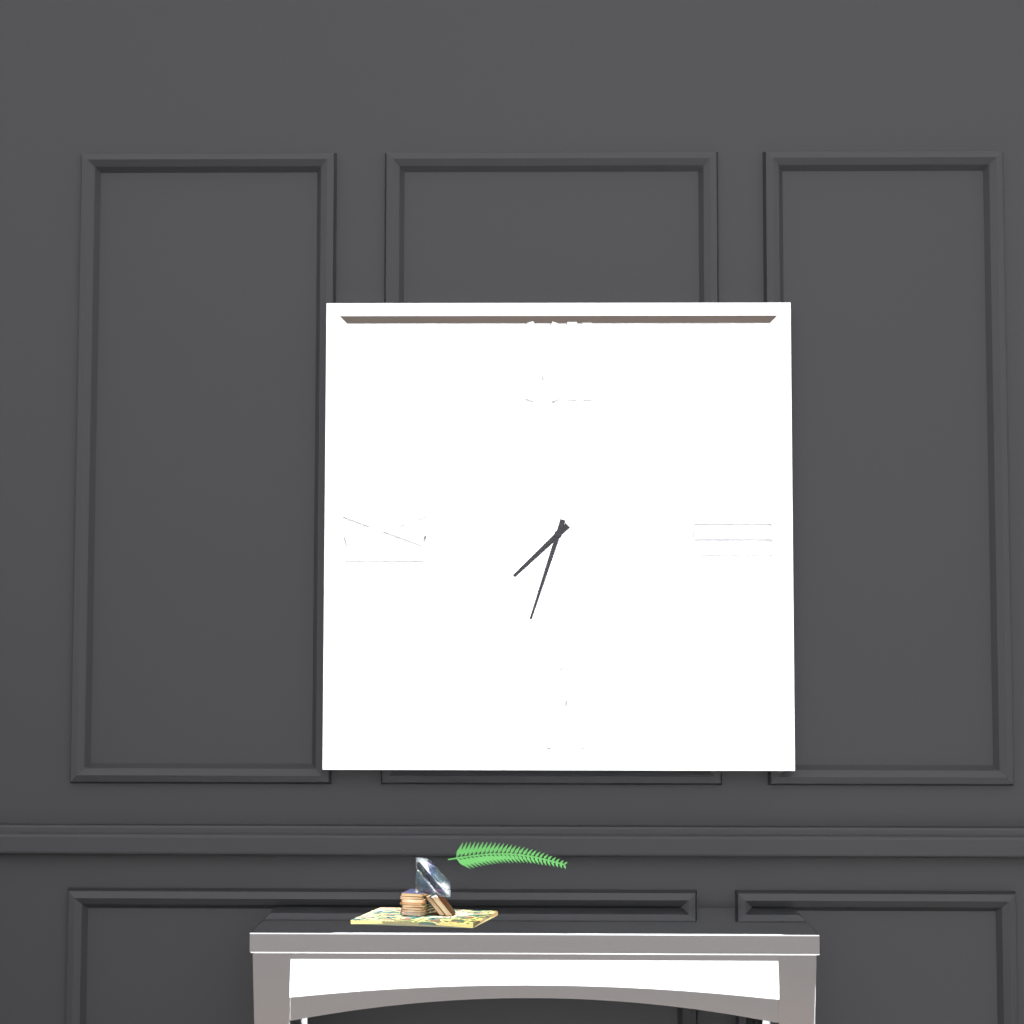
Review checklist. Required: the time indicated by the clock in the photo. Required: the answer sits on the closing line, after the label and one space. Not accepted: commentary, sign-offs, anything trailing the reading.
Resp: 7:33
